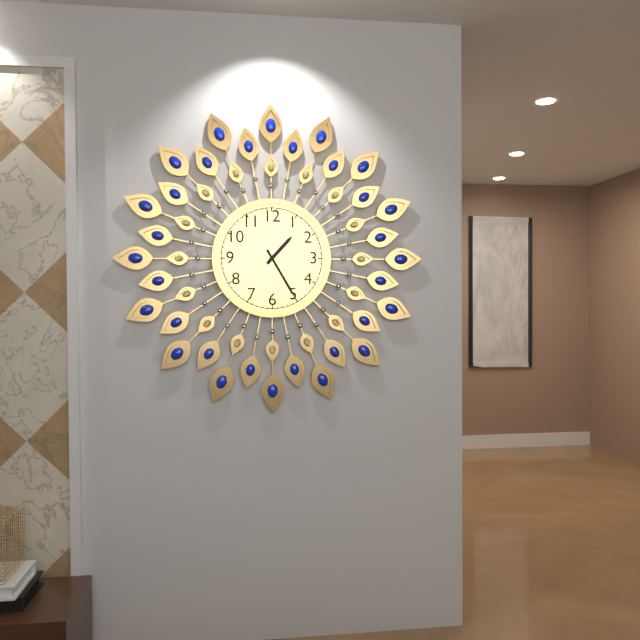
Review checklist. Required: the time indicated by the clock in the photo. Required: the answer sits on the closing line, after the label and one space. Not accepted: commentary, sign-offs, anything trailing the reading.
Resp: 1:25
